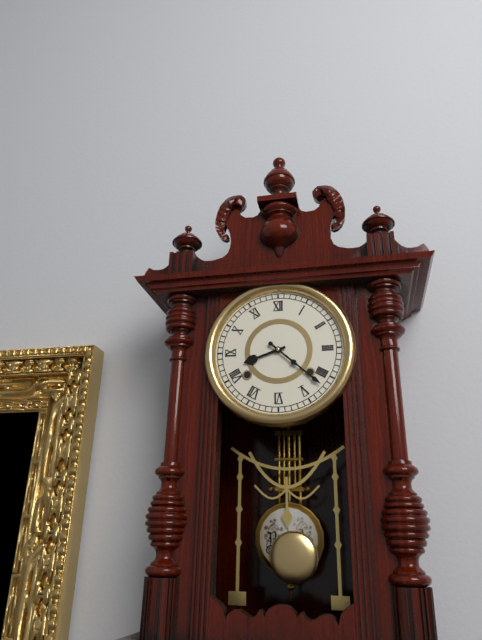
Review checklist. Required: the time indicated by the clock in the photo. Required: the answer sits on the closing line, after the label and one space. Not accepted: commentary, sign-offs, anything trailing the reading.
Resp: 8:22
